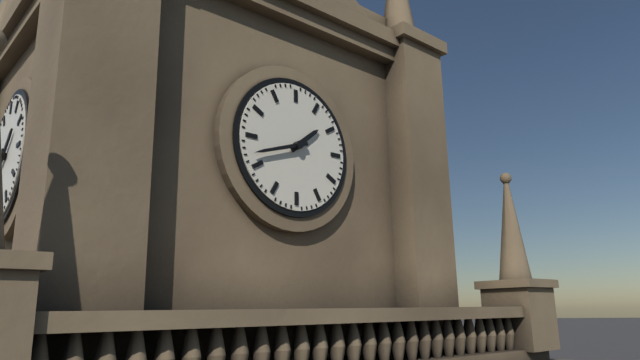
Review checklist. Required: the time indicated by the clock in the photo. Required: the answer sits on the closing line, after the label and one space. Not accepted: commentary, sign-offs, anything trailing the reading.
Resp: 1:42
